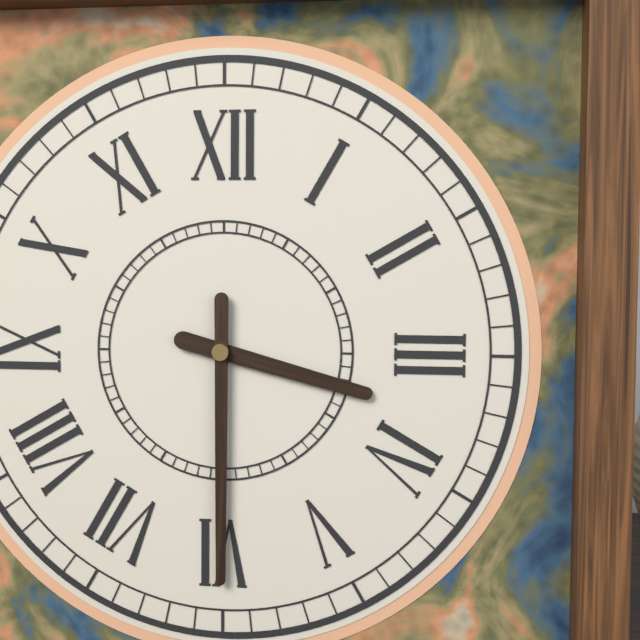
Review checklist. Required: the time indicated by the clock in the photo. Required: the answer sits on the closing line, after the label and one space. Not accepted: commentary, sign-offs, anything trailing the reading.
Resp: 3:30
